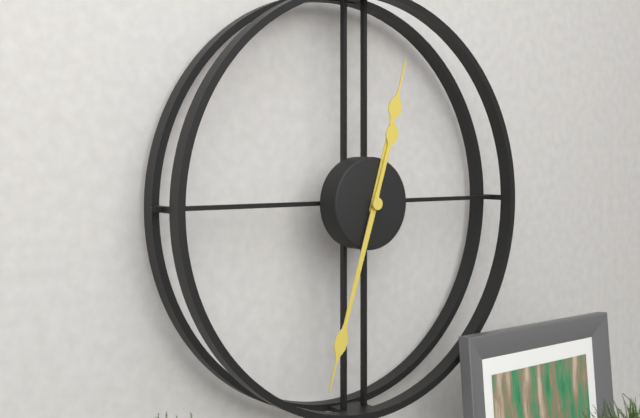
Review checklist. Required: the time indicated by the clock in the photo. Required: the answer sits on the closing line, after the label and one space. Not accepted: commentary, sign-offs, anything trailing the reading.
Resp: 12:33
